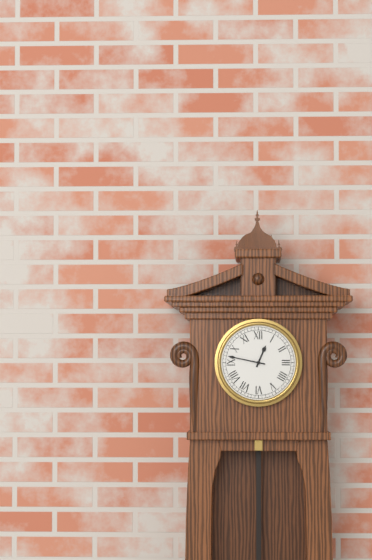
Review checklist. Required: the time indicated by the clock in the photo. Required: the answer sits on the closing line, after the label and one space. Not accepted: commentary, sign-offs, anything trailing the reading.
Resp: 12:47
